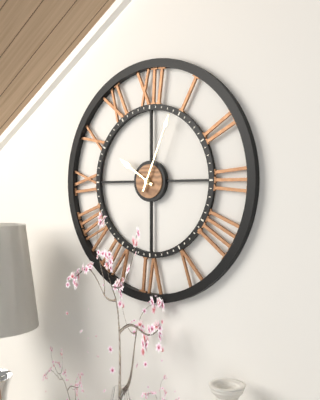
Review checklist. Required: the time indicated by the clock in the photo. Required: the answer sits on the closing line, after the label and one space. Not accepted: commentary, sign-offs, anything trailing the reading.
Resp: 10:04
